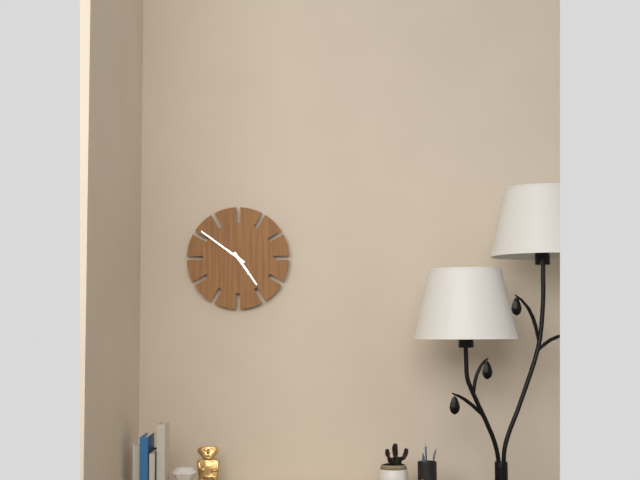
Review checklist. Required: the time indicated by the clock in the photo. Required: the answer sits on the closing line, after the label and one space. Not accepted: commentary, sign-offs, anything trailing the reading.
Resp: 4:51
